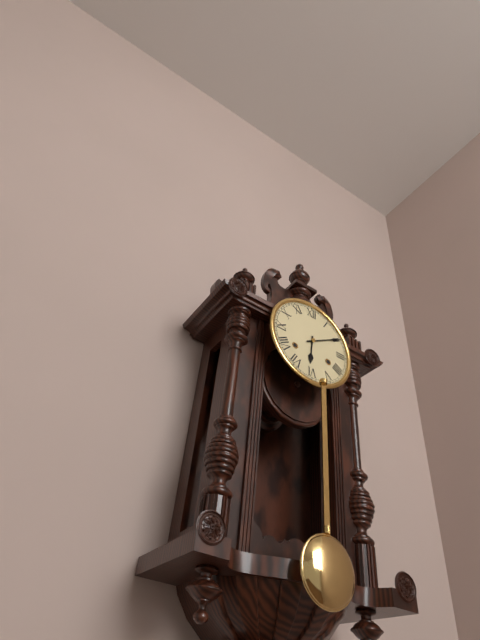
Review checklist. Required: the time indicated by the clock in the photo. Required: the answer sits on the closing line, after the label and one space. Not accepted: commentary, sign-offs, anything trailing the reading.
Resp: 6:10
